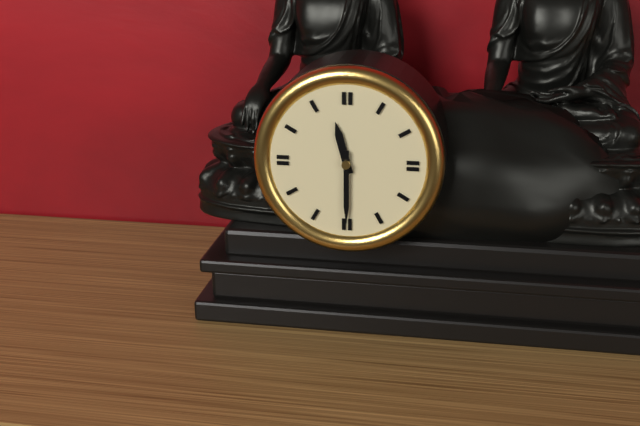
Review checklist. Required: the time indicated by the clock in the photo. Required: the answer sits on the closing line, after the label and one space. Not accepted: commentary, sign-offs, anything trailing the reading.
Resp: 11:30
